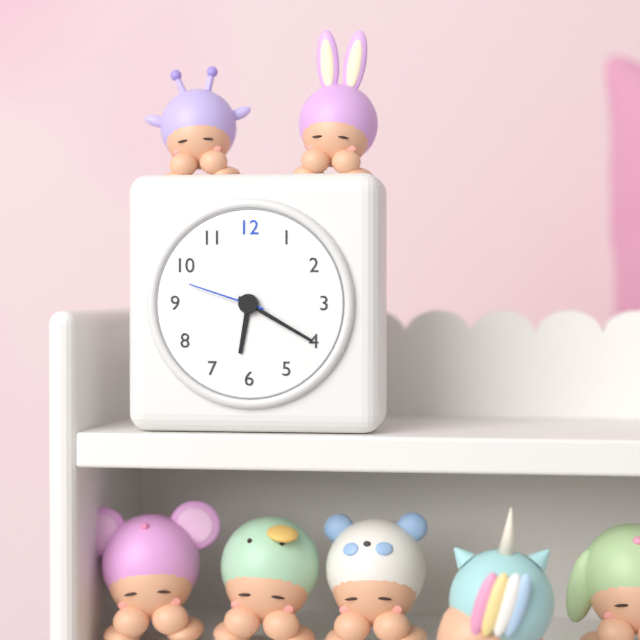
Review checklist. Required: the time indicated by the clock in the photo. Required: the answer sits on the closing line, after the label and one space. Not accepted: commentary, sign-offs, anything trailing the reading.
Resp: 6:20:48
